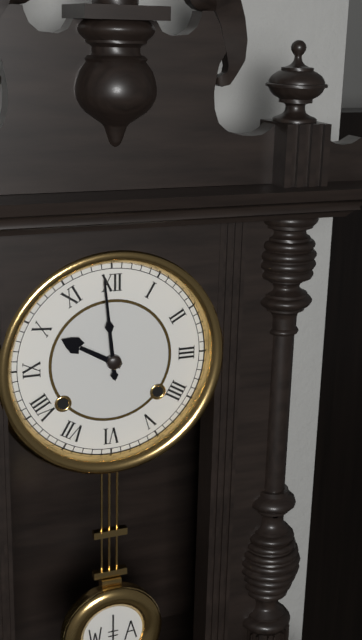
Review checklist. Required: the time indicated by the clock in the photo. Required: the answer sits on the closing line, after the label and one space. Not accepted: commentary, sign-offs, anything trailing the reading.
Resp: 9:59
